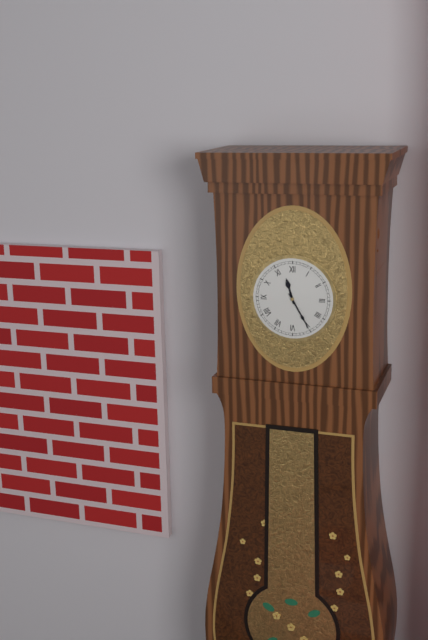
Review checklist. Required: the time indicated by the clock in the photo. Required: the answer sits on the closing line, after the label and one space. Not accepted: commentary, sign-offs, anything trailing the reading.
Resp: 11:25
